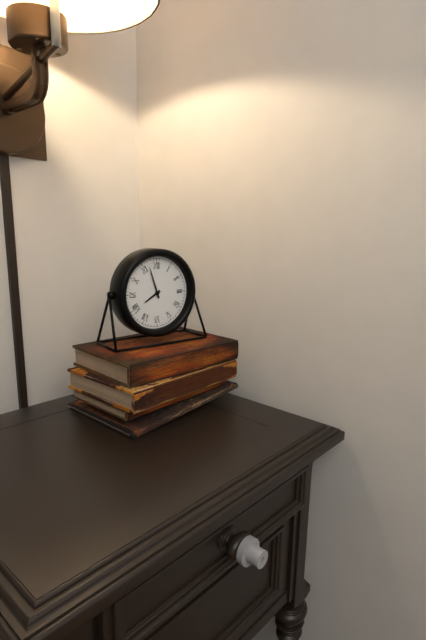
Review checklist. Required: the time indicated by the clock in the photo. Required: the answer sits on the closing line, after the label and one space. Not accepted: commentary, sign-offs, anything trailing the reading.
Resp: 7:57
